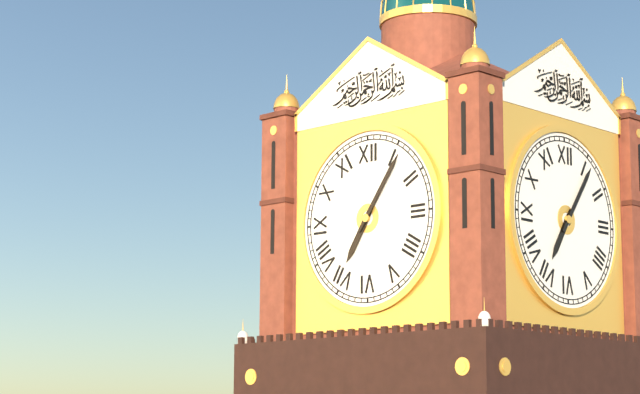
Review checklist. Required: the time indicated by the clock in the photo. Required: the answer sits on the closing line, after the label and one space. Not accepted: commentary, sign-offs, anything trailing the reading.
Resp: 7:06
